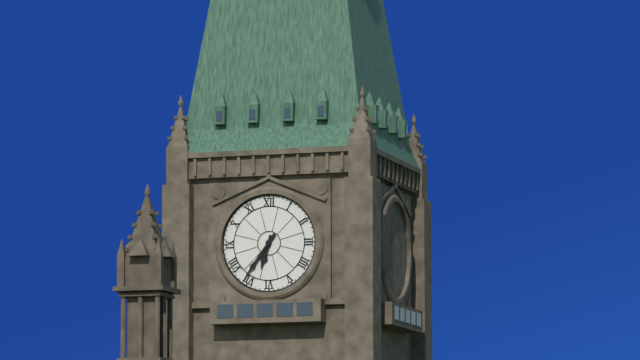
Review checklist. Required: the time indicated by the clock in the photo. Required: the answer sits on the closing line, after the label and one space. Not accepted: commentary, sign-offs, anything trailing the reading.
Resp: 6:36
